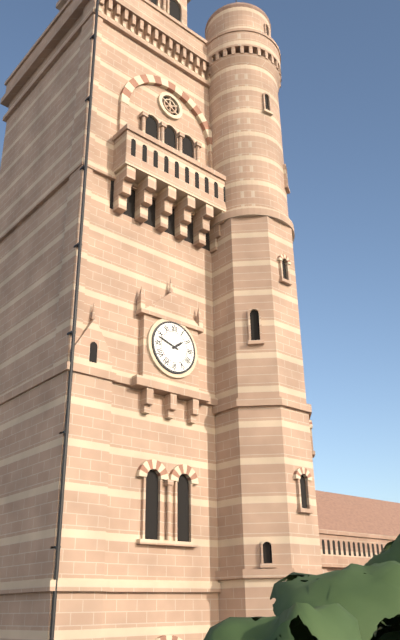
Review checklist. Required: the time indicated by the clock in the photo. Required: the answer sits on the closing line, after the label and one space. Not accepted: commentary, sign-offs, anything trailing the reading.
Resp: 1:48
